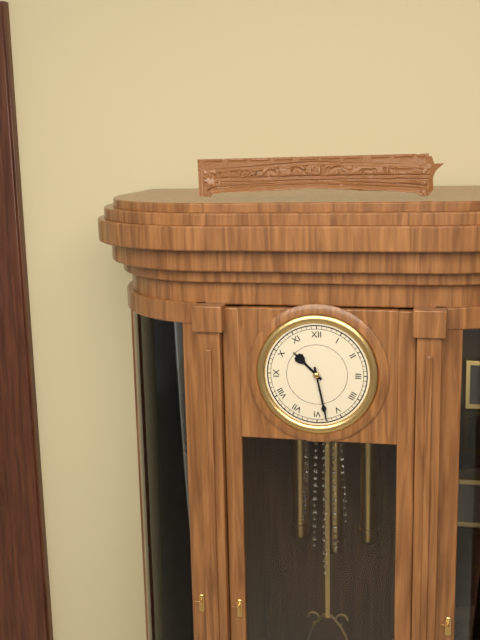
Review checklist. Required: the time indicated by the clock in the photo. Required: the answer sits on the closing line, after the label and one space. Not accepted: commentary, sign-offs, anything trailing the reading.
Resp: 10:28
